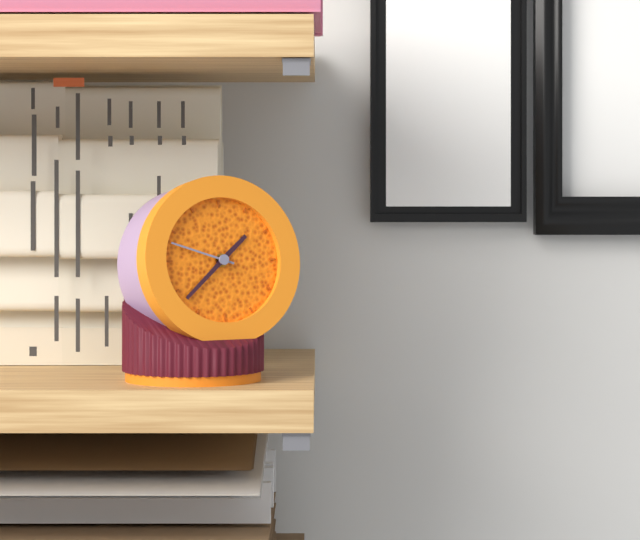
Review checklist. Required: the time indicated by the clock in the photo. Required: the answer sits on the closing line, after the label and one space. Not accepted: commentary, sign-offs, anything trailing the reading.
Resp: 1:38:48
